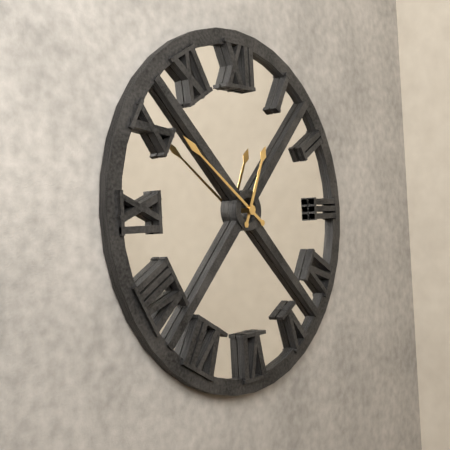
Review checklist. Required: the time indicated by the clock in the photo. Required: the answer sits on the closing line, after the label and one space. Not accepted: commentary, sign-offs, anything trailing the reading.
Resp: 12:51
